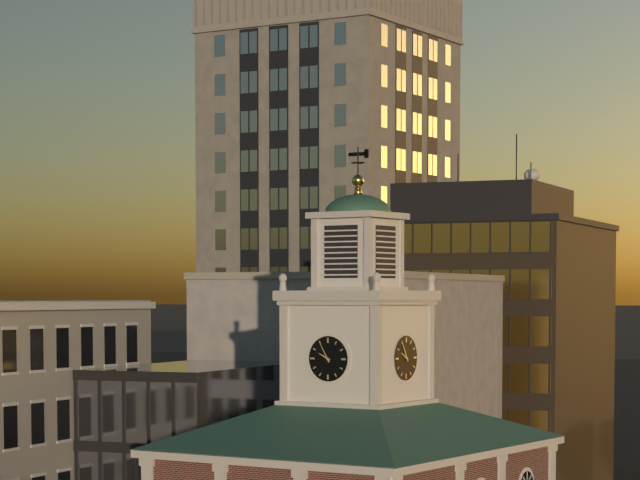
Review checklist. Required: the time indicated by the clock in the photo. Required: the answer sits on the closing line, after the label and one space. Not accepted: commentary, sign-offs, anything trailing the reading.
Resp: 9:55
